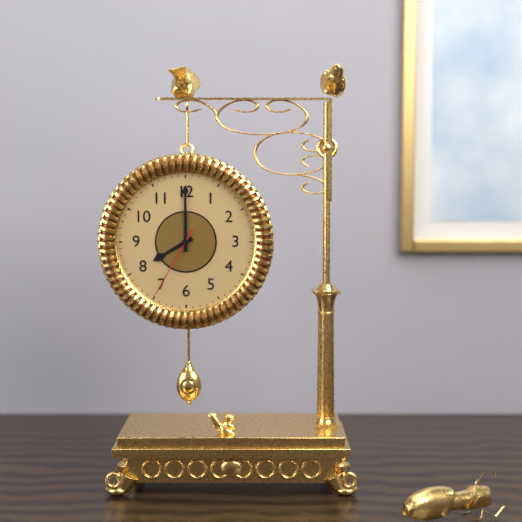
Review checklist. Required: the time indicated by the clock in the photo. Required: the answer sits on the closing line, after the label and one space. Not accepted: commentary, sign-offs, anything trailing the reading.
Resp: 8:00:35
